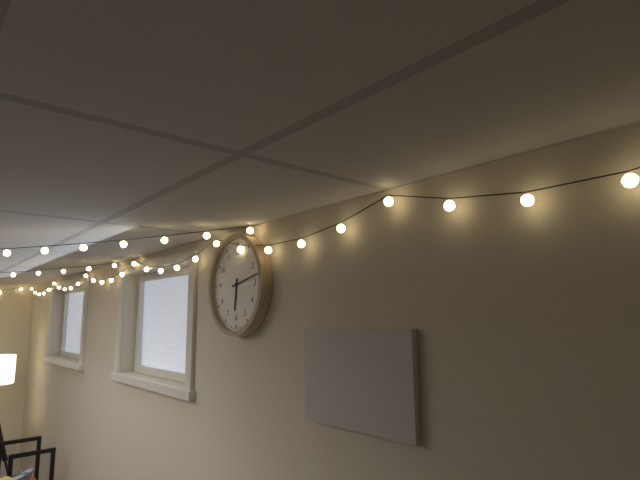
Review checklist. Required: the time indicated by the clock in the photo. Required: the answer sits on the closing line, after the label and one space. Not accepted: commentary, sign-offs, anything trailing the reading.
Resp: 6:13
